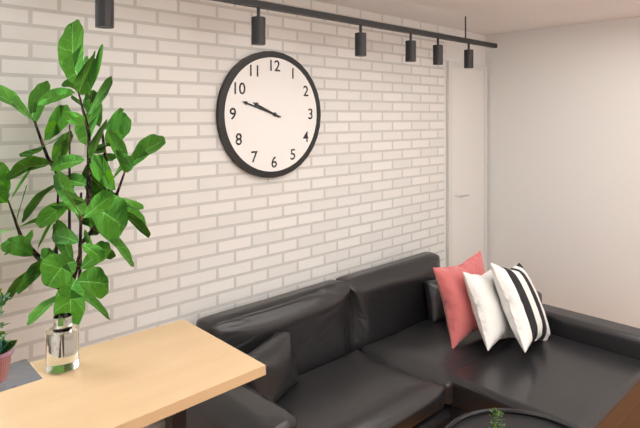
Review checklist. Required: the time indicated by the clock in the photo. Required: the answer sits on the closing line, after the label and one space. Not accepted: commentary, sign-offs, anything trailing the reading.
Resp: 9:48
